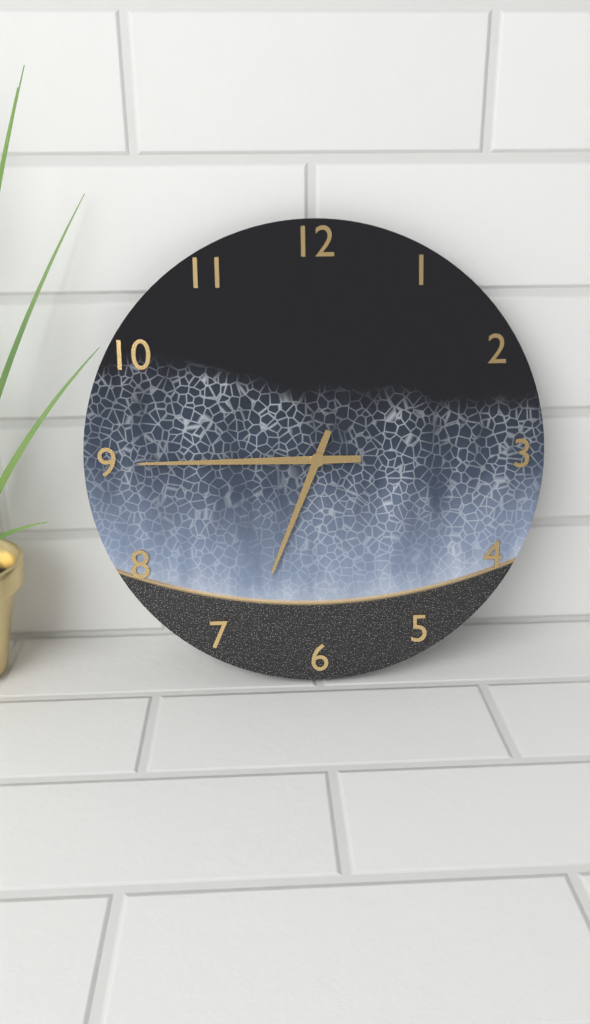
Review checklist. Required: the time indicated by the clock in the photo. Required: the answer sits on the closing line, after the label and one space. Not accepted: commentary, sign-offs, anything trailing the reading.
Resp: 6:45
